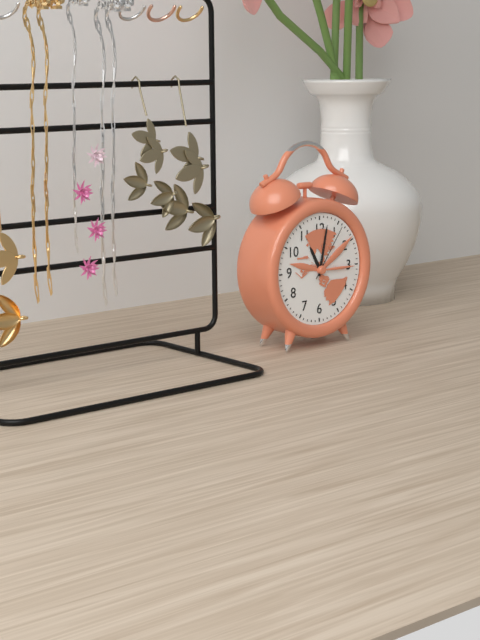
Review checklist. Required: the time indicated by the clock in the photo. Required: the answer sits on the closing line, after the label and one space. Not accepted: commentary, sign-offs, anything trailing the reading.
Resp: 11:02:06
